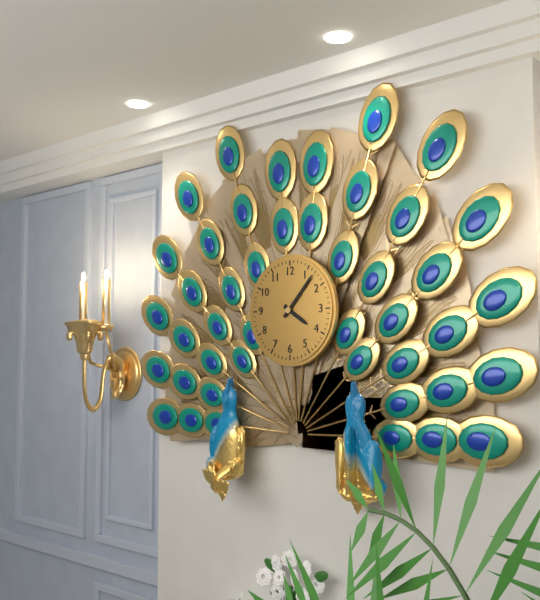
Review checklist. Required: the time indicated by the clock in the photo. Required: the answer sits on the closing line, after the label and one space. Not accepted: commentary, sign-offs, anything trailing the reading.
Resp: 4:07
